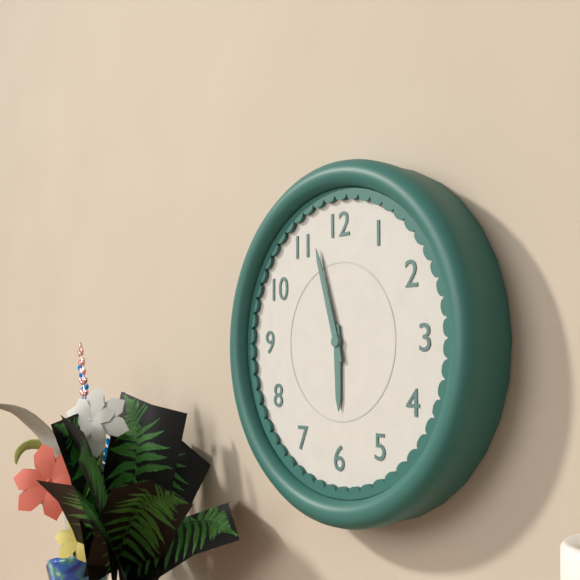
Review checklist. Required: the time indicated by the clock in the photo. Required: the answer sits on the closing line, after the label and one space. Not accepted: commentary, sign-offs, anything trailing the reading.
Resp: 5:57
